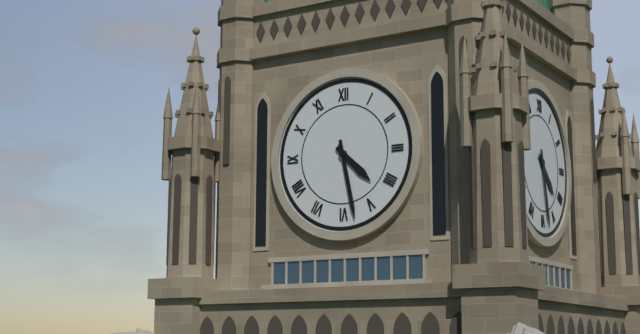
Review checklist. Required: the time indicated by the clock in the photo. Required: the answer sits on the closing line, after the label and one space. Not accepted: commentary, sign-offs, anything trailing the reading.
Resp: 4:28
